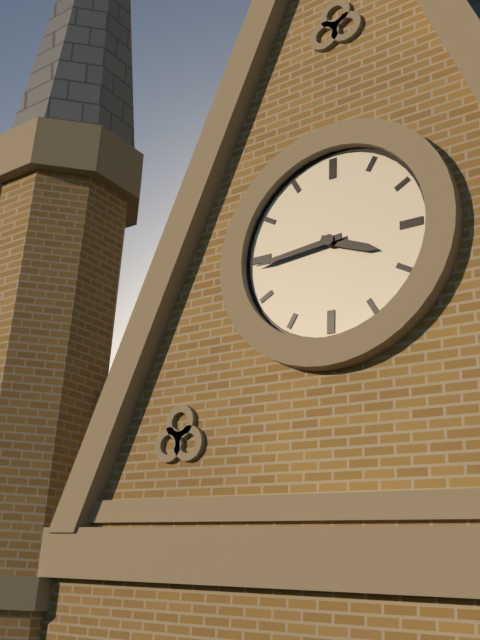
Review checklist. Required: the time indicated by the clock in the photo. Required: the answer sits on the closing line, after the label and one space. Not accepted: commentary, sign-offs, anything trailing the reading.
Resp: 3:44
